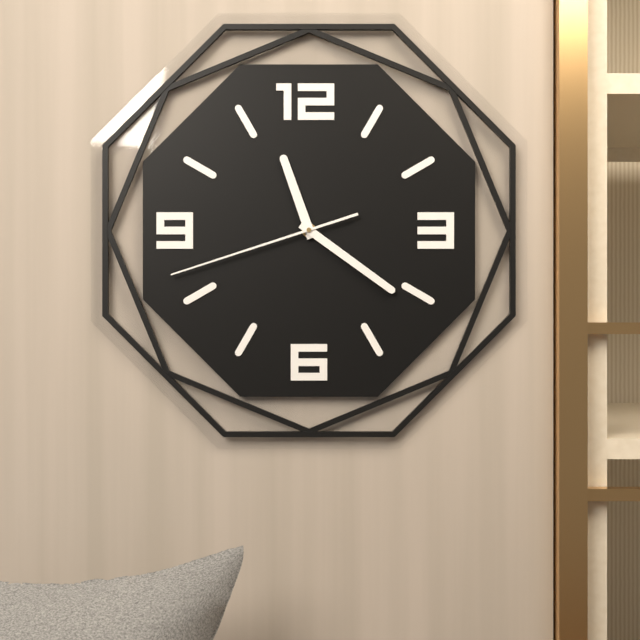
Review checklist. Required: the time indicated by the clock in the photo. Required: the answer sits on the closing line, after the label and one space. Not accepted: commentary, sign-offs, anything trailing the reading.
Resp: 11:21:42
